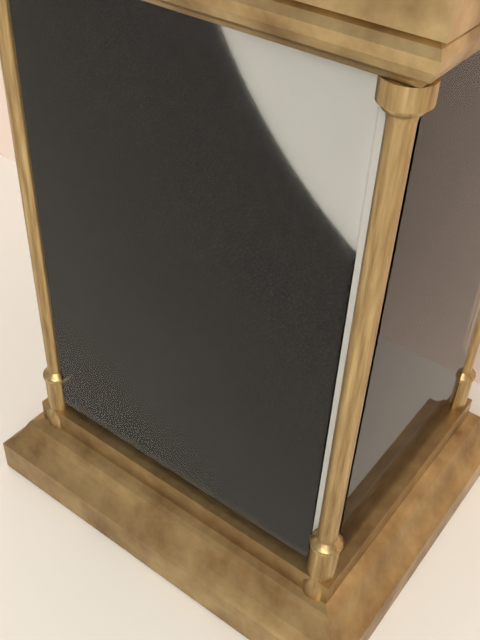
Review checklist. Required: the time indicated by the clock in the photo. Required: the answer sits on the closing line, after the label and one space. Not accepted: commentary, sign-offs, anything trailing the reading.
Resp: 12:48
